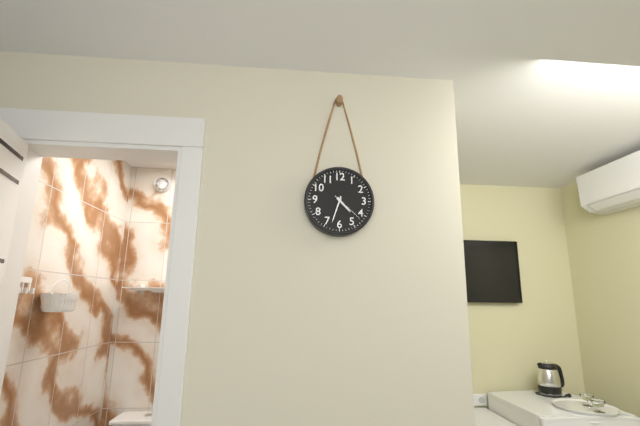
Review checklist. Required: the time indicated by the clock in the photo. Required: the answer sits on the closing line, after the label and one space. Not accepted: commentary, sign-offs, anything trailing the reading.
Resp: 4:33
